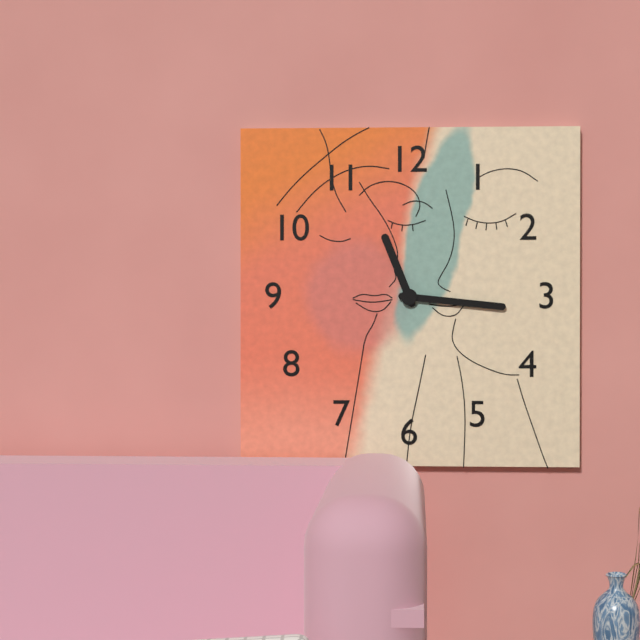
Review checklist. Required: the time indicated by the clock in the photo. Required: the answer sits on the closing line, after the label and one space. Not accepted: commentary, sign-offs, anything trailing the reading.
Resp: 11:16
